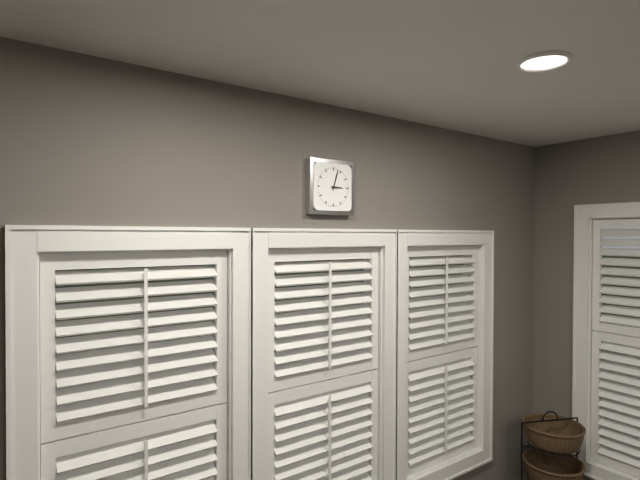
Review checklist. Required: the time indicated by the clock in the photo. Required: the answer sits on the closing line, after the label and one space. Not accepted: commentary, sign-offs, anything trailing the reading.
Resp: 3:03
